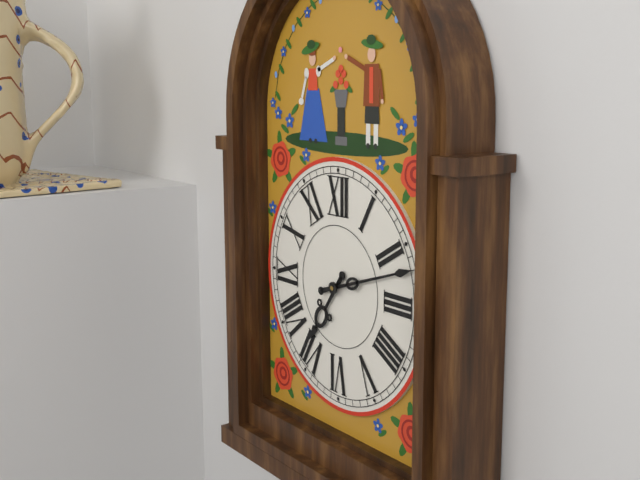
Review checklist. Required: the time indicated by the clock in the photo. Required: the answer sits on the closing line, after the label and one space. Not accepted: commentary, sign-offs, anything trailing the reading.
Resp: 7:12
